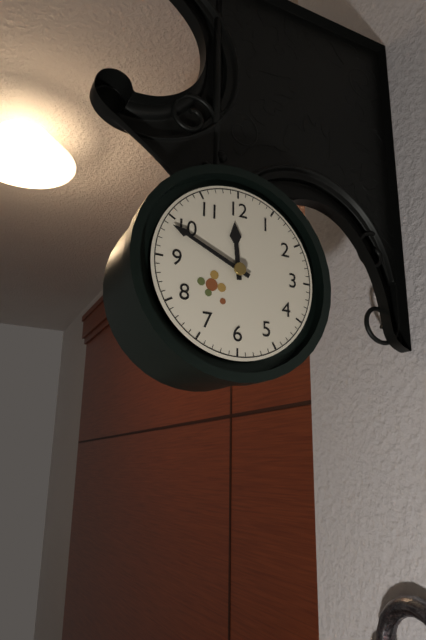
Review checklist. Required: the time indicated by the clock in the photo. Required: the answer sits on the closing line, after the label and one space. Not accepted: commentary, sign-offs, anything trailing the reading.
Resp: 11:49
